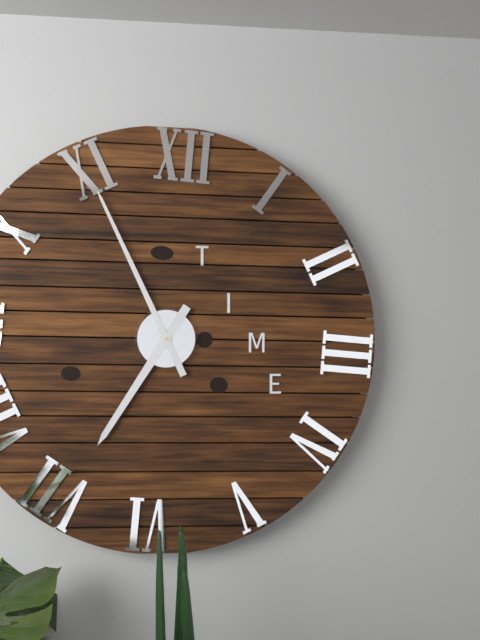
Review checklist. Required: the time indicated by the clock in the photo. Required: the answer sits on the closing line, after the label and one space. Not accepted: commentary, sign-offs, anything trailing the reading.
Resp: 6:55
